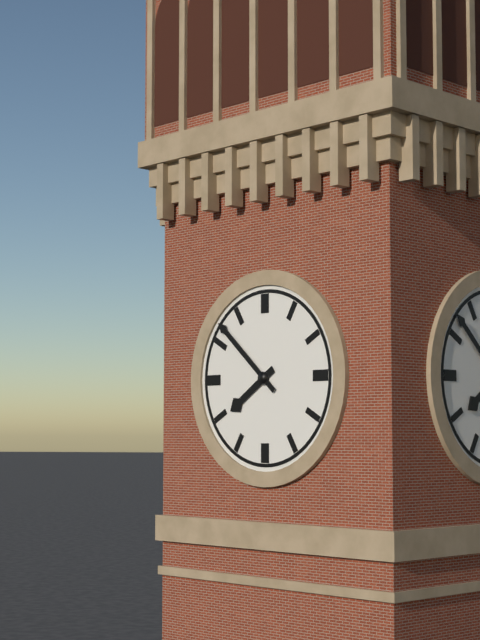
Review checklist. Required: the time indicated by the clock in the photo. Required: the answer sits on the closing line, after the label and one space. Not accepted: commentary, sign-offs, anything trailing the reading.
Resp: 7:52
